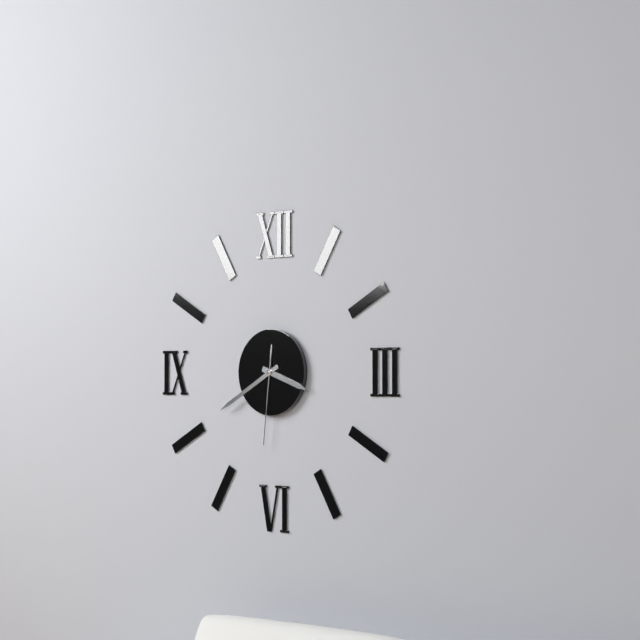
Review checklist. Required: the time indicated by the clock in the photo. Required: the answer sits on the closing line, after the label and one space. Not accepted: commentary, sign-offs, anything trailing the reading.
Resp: 3:40:31
